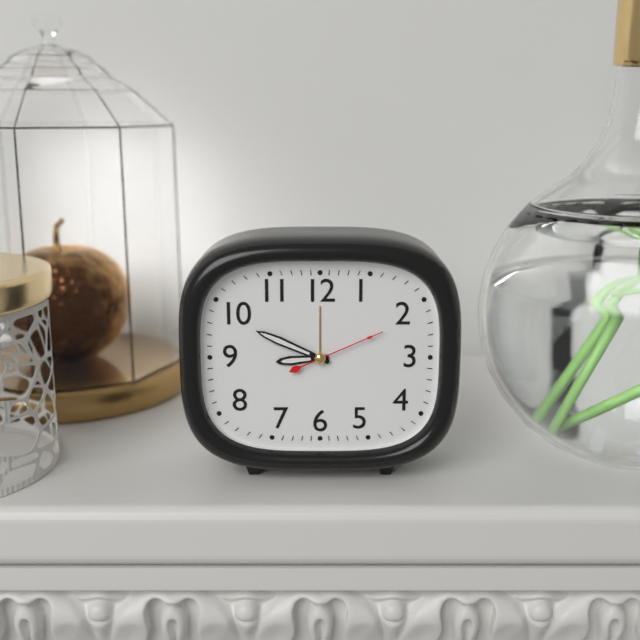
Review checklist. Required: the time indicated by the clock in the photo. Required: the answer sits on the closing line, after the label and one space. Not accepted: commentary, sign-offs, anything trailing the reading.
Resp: 8:49:11
